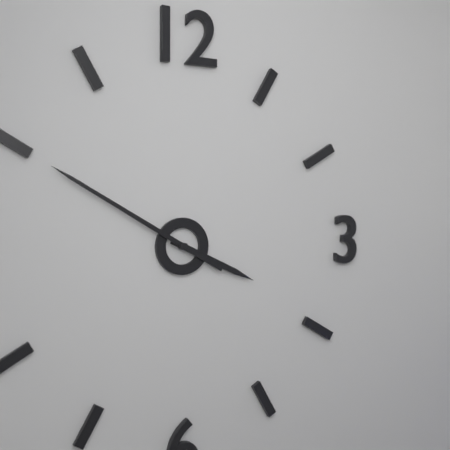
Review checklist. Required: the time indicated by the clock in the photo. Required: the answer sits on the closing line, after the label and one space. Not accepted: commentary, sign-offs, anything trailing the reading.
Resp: 3:50
